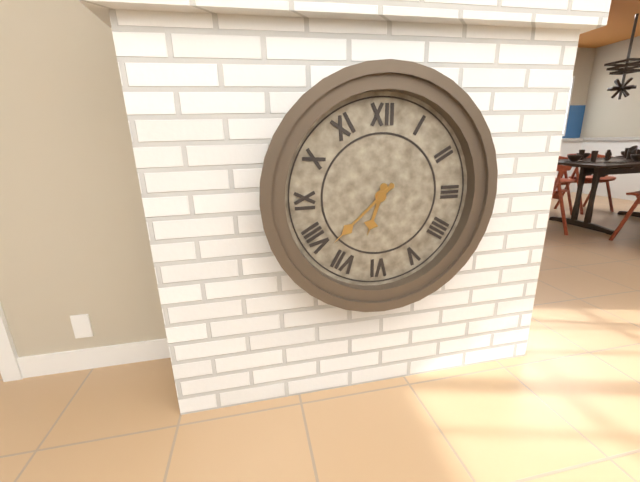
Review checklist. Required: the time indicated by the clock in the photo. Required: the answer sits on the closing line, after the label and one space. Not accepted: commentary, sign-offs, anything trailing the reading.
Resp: 6:38
